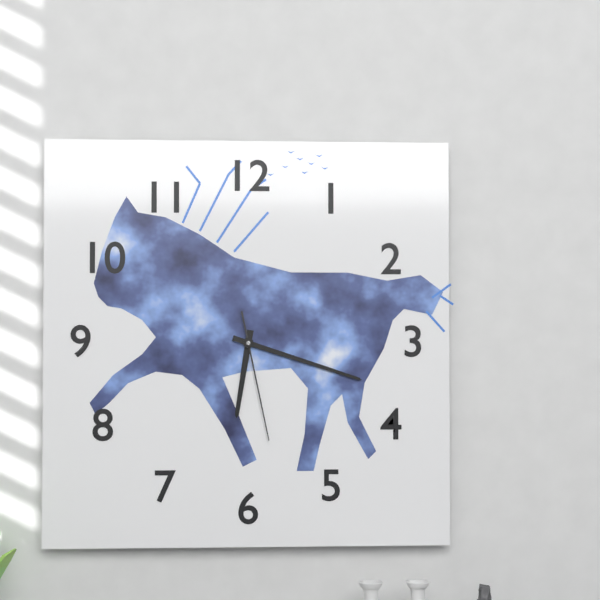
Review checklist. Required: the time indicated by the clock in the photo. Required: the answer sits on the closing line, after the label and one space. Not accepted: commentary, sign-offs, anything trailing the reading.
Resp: 6:18:28
